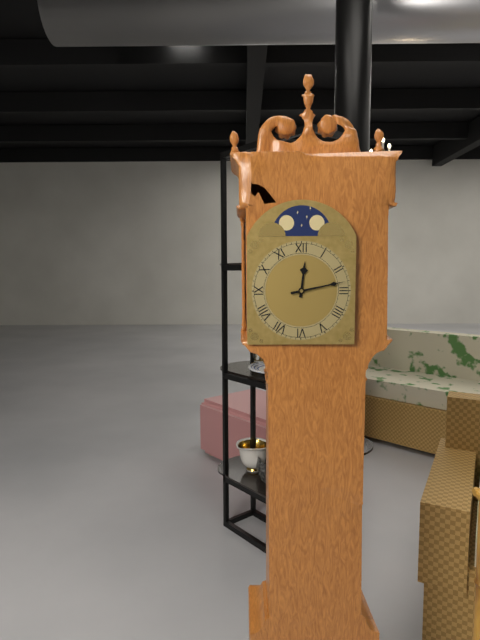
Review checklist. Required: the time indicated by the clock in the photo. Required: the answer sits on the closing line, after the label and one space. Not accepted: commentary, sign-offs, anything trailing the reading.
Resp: 12:13
